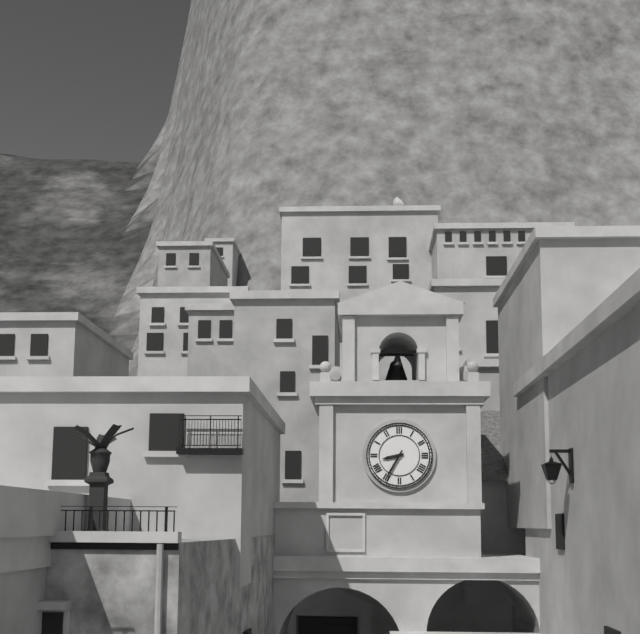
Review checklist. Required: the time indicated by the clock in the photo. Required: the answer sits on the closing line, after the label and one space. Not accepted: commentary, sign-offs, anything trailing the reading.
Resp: 8:35
